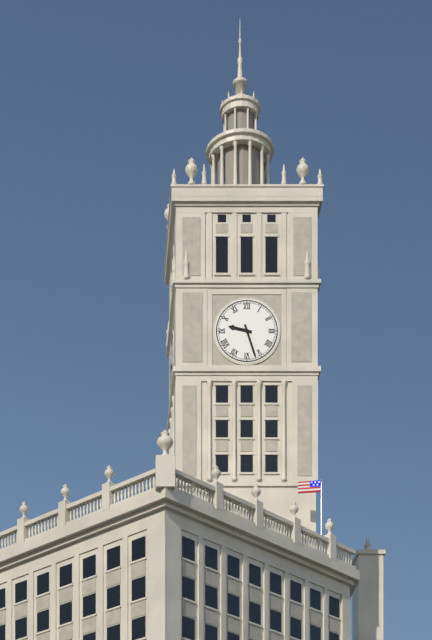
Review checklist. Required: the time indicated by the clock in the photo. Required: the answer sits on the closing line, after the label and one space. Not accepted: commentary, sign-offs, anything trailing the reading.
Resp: 9:27
